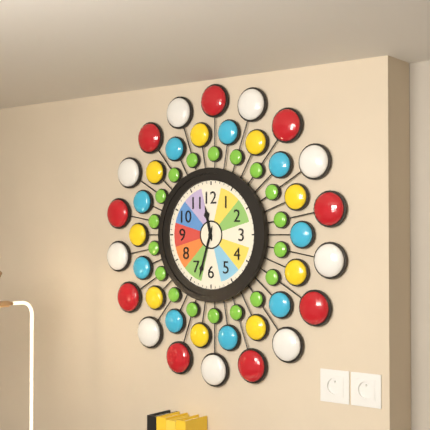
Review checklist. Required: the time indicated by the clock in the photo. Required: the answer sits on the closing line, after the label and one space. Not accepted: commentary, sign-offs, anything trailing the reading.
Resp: 11:33
